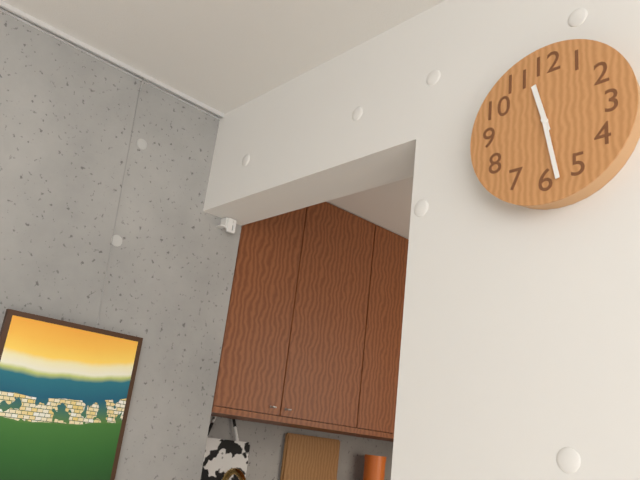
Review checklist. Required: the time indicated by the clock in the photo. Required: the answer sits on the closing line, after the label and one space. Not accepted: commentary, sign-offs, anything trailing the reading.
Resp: 11:28
